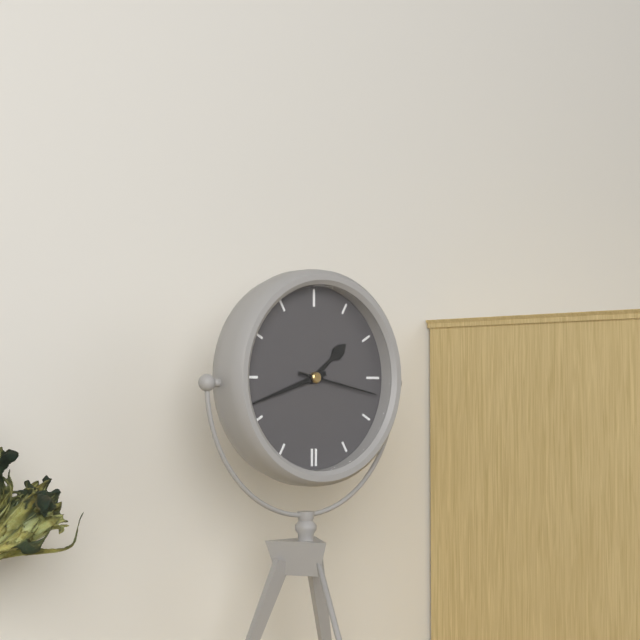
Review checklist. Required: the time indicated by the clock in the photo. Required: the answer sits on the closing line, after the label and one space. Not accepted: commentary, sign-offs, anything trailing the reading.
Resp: 1:42:17
